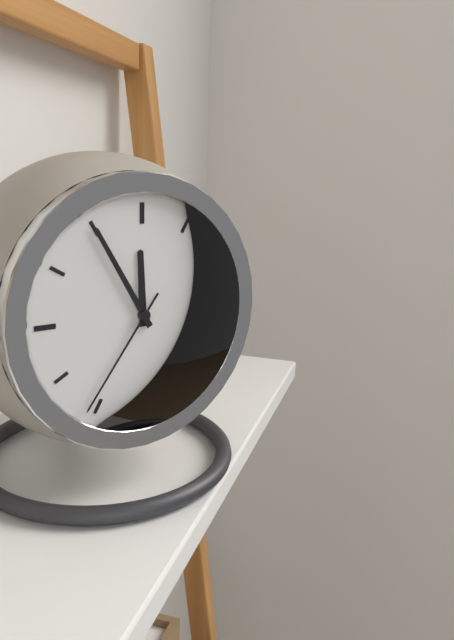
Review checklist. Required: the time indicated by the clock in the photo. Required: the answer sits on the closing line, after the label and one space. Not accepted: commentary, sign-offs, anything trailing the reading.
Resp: 11:55:36
